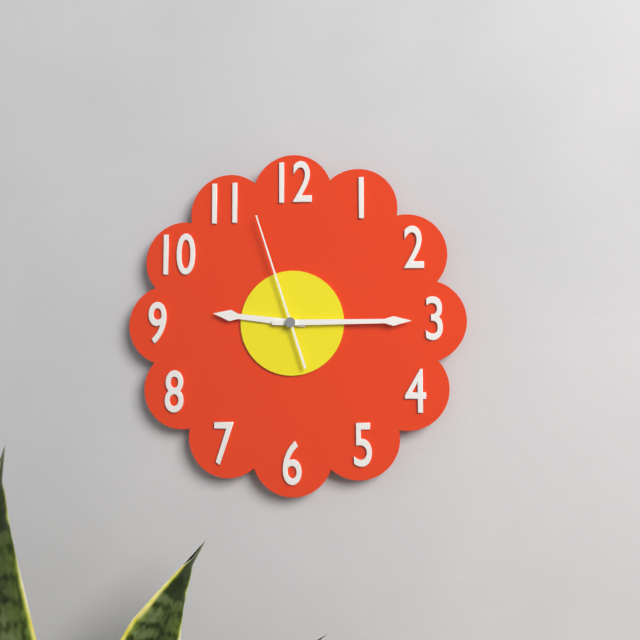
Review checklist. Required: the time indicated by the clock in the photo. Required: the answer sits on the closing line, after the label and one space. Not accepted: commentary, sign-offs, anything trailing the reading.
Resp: 9:15:57
